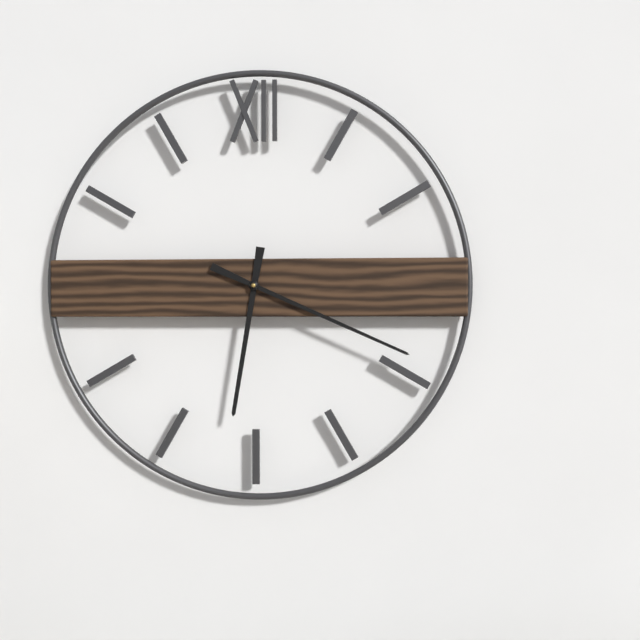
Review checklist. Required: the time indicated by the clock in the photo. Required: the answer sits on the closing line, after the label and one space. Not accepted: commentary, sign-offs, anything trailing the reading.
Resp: 6:19
